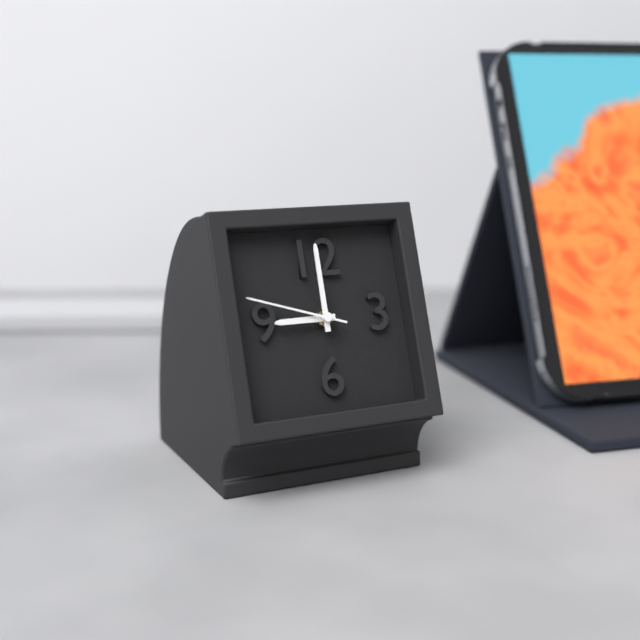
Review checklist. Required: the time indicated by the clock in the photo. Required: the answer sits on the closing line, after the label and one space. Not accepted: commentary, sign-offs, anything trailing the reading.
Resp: 9:00:48
